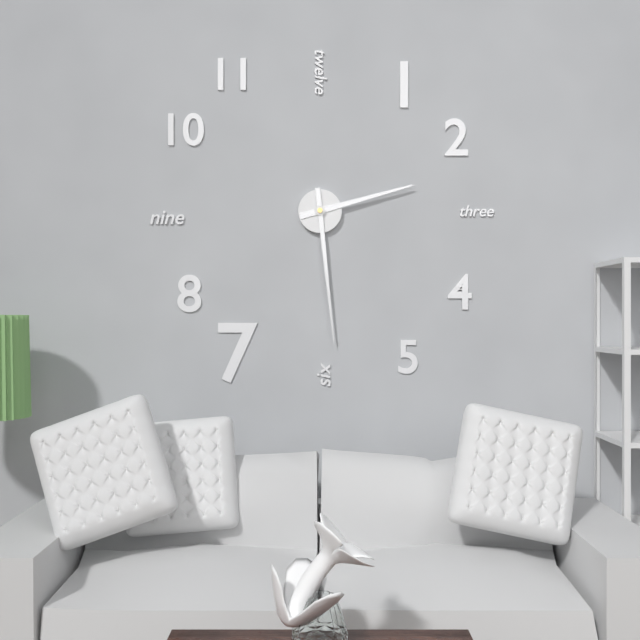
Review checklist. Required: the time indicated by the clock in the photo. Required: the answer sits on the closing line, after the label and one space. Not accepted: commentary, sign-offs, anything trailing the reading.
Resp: 2:29
